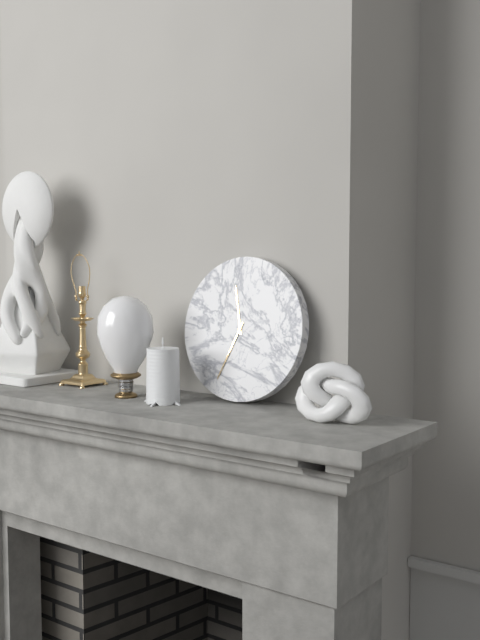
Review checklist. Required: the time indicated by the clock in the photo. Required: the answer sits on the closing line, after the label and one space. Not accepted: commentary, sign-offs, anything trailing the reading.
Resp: 11:34
